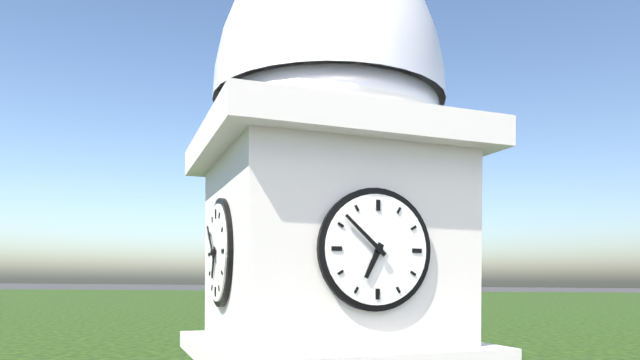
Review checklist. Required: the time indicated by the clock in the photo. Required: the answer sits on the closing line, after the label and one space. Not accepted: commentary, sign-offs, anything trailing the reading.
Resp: 6:52
